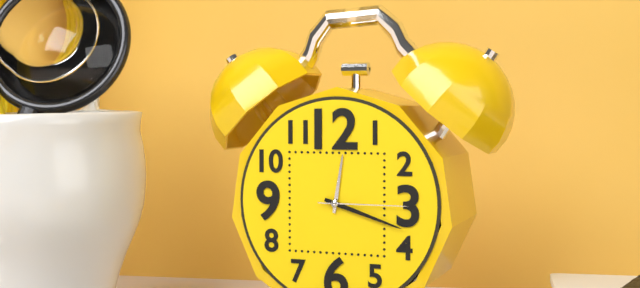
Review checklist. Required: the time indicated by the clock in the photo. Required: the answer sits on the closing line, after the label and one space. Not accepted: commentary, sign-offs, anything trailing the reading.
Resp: 12:18:15
